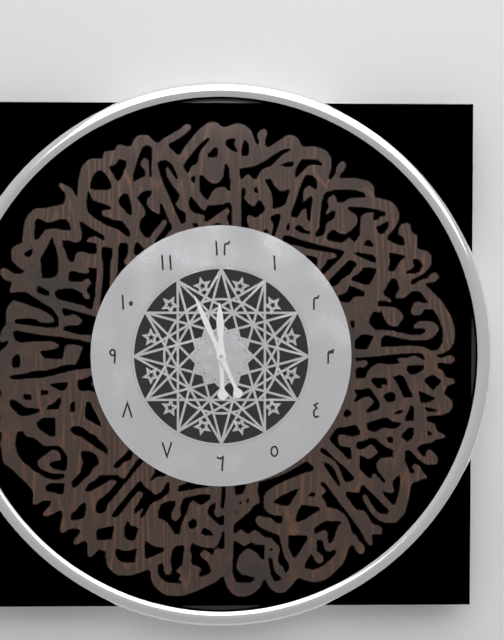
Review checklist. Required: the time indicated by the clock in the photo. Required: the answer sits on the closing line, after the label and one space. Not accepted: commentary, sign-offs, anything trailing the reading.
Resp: 11:56
